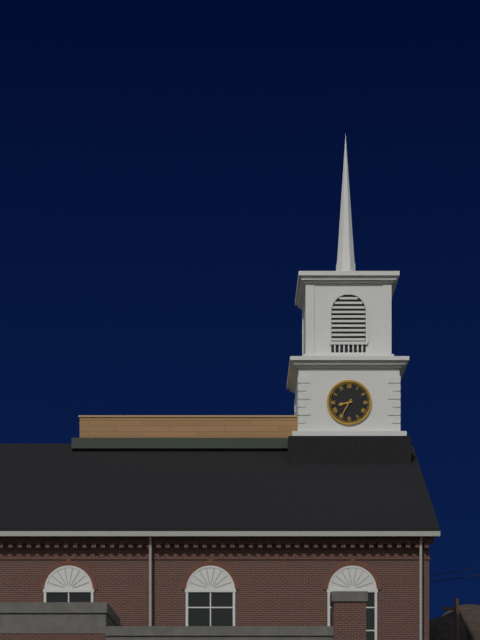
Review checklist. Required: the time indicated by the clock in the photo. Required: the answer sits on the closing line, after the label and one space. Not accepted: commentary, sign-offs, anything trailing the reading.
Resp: 8:35
